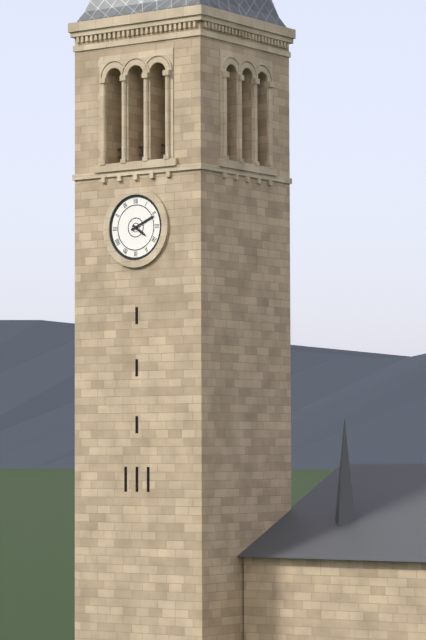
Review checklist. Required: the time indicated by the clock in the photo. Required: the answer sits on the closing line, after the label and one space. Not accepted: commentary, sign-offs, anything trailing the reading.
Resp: 4:11
